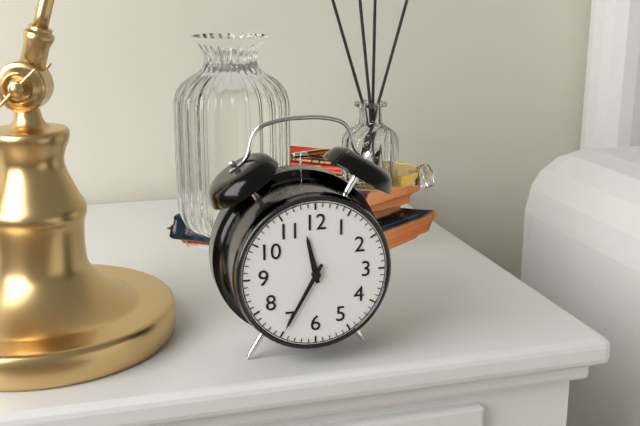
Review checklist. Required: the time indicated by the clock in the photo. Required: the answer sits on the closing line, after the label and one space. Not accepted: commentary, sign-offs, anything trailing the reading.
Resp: 11:35
